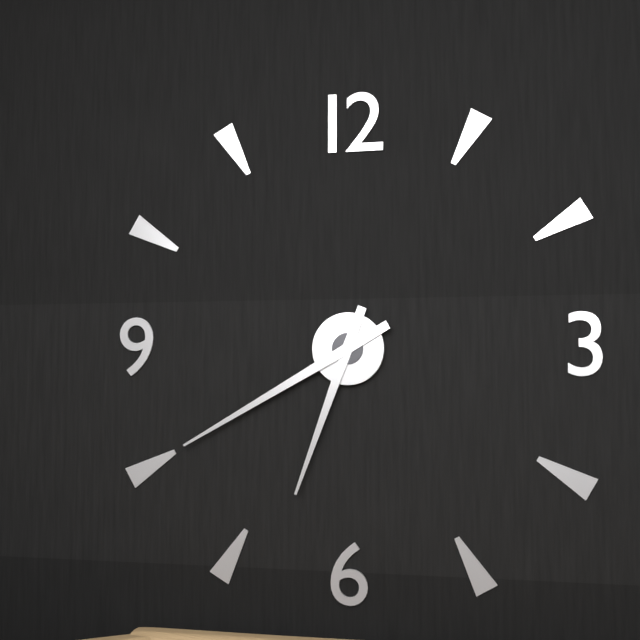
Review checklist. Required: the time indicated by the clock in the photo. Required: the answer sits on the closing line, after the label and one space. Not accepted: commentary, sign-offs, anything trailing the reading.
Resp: 6:40
